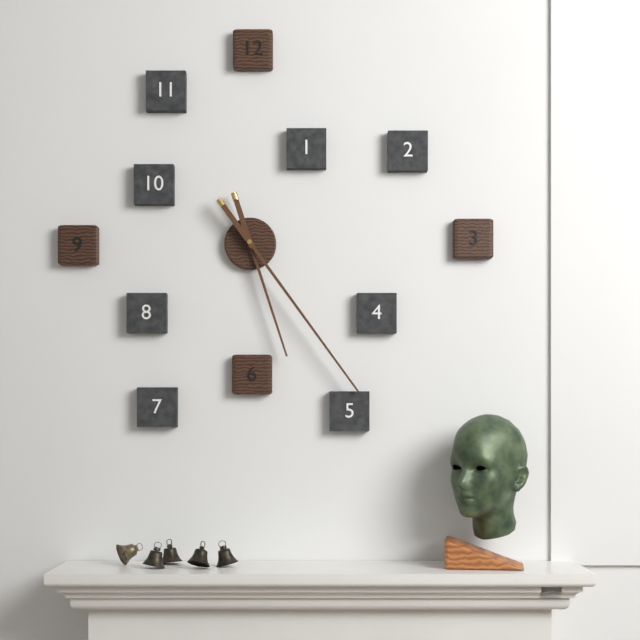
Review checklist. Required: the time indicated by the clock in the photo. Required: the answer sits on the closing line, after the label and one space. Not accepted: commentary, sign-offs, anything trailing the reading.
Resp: 5:24
